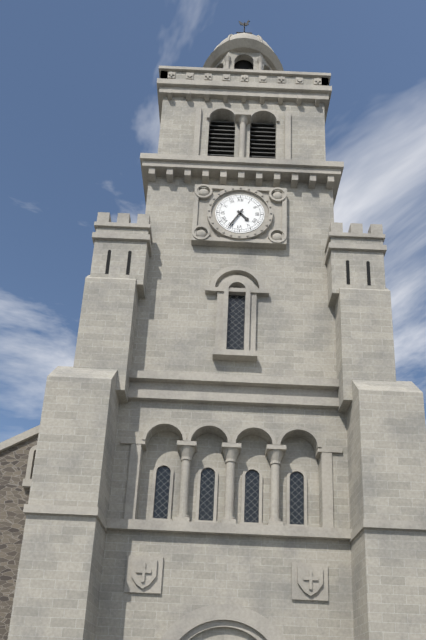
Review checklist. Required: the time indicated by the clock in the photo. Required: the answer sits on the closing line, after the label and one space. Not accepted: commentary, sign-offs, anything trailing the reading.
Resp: 4:35
